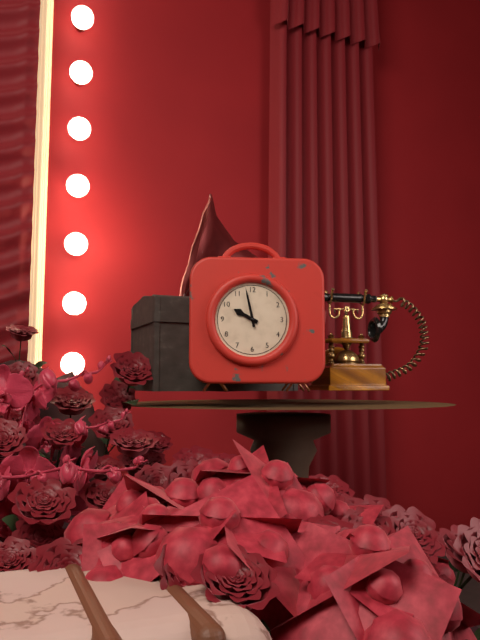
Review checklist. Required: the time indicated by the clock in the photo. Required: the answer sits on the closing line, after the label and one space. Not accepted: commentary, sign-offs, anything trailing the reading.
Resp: 9:58
